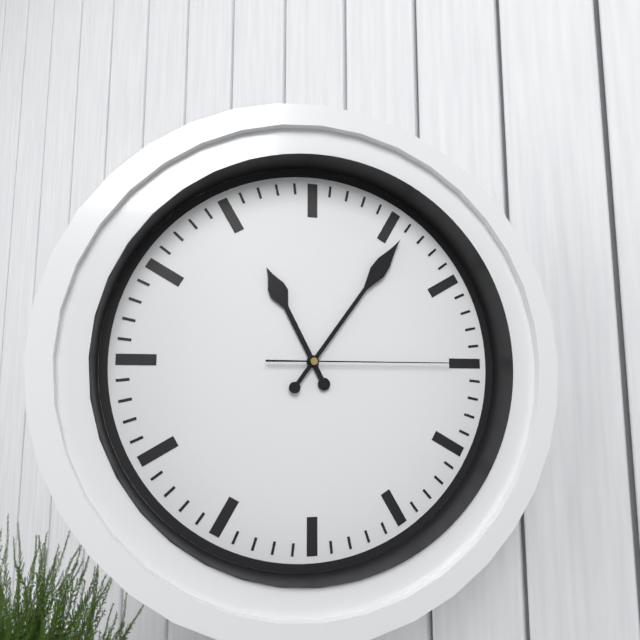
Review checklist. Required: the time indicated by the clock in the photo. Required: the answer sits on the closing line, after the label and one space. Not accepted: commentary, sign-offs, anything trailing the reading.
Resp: 11:06:15
